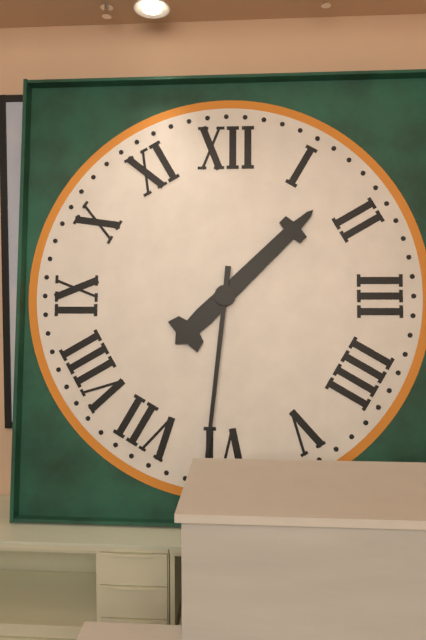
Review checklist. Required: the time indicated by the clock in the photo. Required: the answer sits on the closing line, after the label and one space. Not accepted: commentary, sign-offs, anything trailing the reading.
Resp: 1:31
